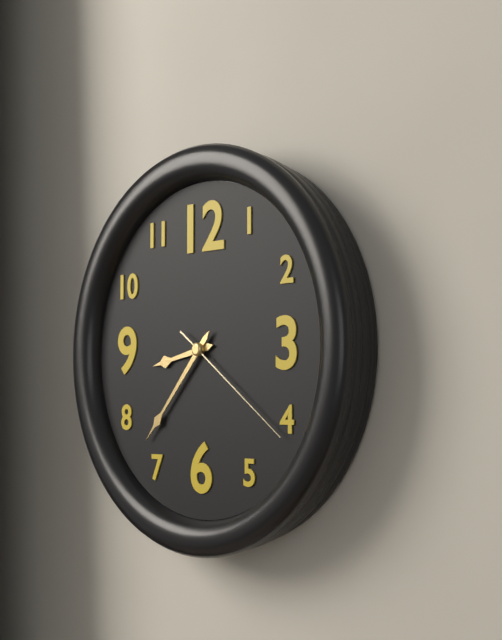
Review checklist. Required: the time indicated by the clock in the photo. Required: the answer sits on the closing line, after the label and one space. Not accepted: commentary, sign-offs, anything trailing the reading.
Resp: 8:37:21
